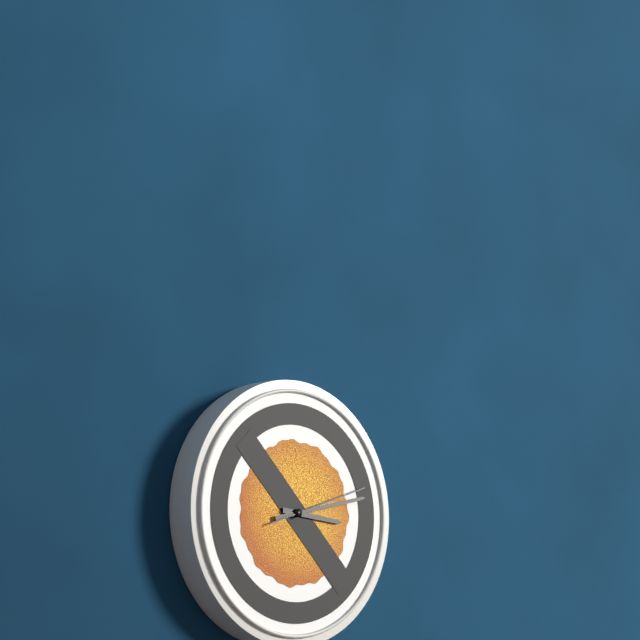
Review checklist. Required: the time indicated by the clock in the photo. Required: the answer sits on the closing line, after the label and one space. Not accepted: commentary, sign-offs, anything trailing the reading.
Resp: 3:13:12
